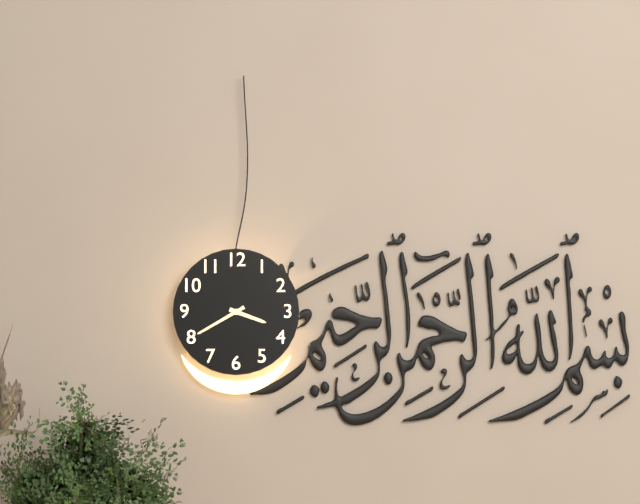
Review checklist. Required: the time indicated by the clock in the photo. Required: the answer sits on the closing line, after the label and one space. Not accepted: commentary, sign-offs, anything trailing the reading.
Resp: 3:40
